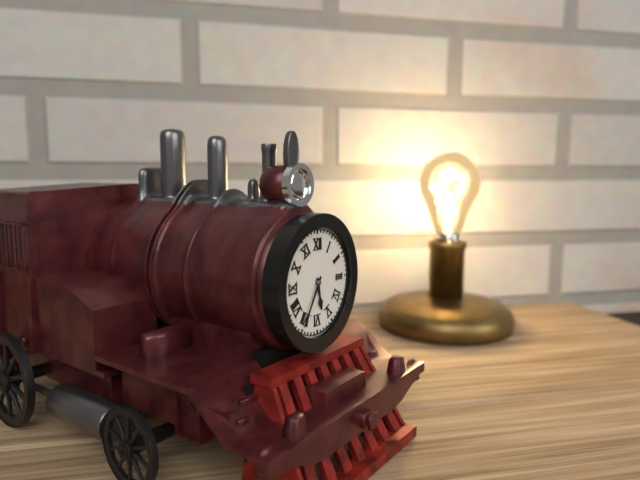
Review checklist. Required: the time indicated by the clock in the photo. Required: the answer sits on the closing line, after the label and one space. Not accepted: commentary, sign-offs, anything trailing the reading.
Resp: 5:35
